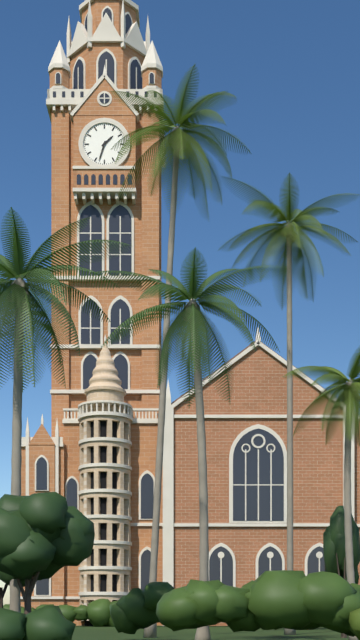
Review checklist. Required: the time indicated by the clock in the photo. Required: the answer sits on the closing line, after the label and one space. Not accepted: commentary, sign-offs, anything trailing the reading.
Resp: 1:33
